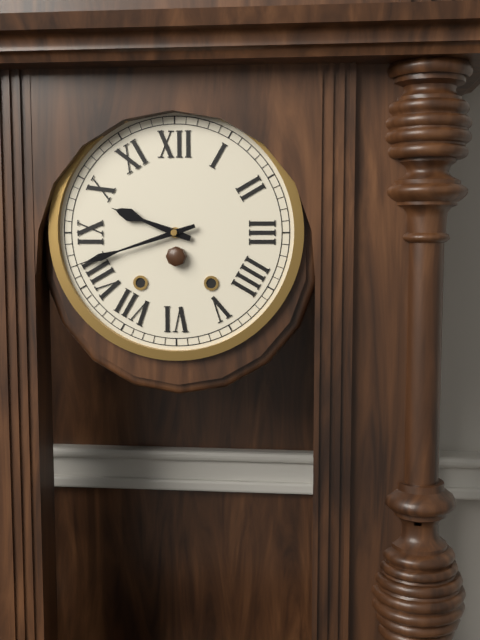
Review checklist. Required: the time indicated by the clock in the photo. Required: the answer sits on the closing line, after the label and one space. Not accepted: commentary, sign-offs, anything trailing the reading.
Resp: 9:42
